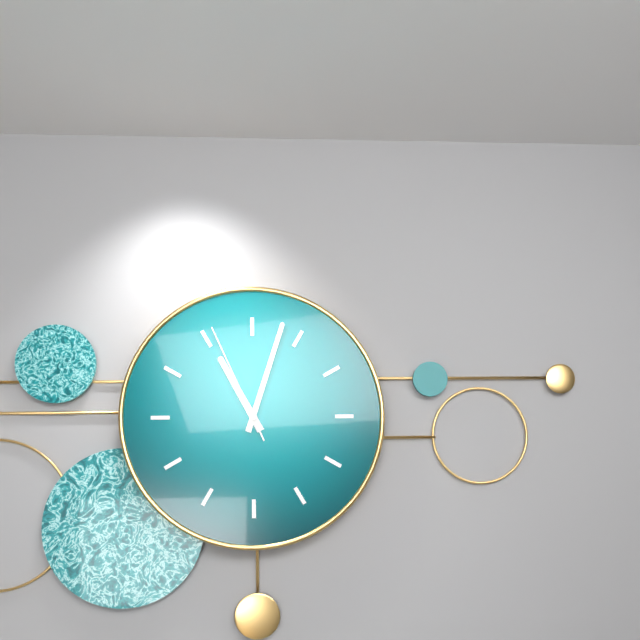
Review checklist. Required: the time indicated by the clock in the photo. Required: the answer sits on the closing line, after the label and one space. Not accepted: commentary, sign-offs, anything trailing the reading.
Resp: 11:03:56
